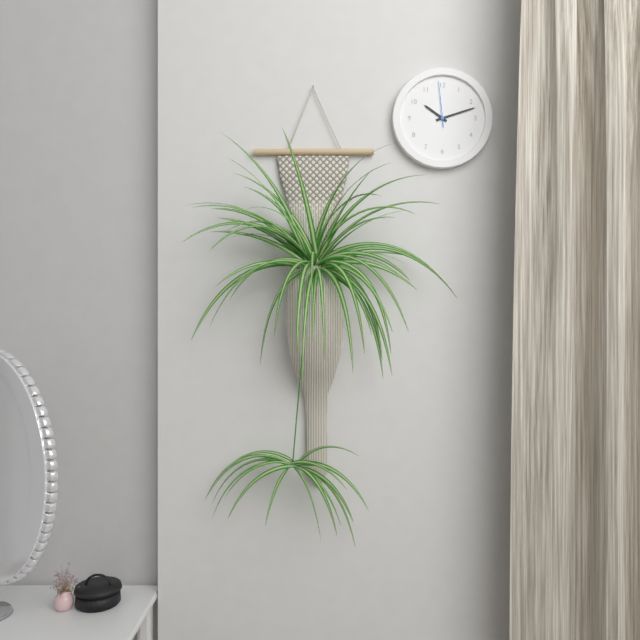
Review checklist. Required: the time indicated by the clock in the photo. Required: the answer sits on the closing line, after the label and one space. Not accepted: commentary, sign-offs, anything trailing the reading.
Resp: 10:12
